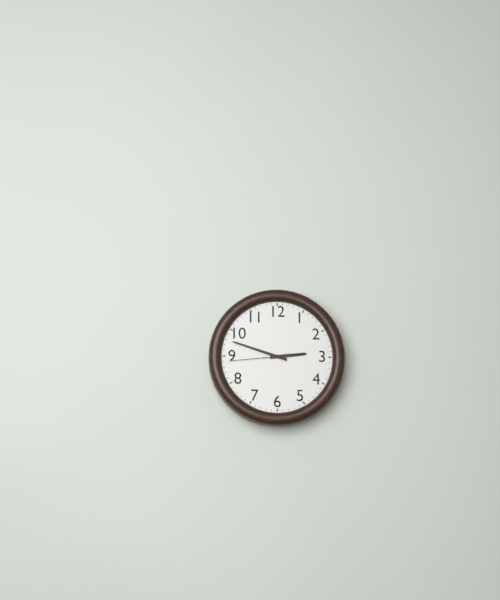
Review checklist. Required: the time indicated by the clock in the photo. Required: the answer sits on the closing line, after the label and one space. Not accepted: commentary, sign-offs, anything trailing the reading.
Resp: 2:48:44
